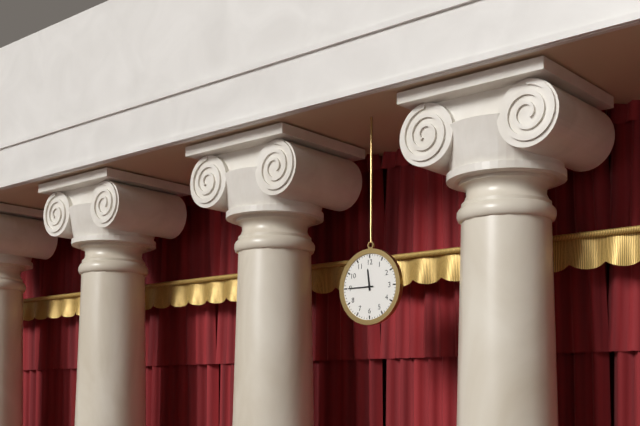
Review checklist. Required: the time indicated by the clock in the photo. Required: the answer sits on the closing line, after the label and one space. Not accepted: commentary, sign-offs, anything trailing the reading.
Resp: 11:45
